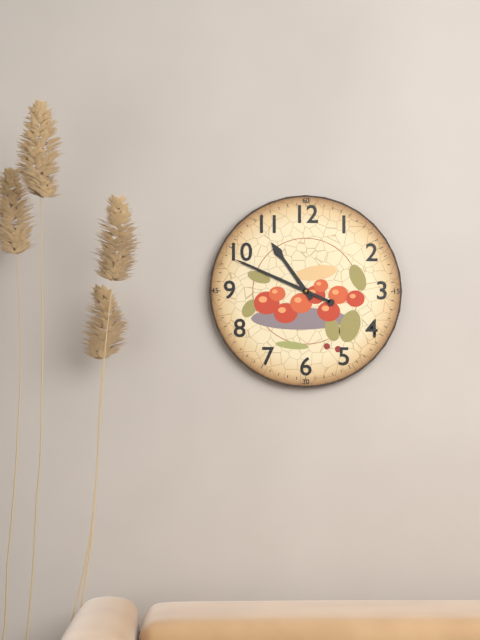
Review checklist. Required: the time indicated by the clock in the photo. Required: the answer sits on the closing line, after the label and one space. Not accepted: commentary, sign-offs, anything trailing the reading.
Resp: 10:49
